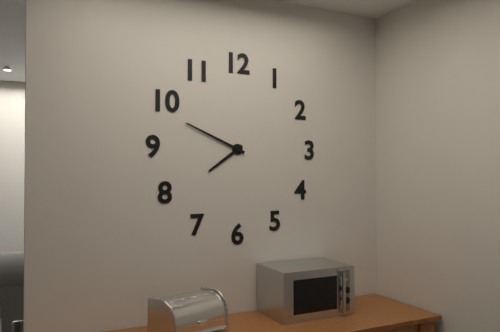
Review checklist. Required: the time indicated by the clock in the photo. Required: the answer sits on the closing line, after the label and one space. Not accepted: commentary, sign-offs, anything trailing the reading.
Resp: 7:49
